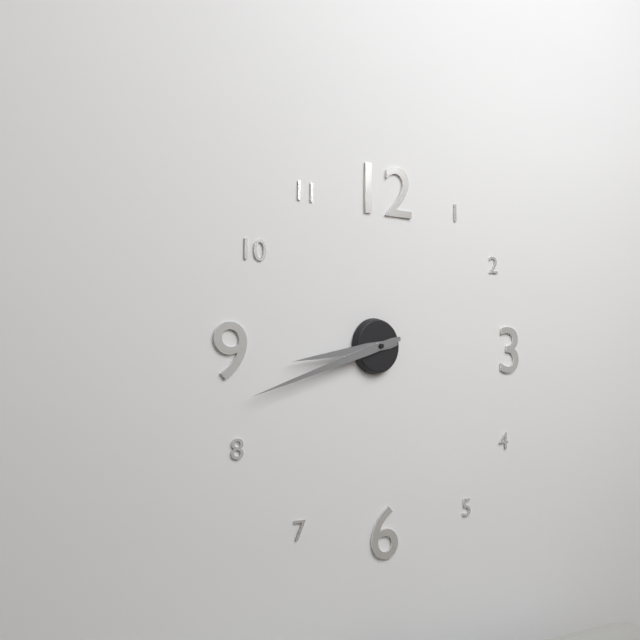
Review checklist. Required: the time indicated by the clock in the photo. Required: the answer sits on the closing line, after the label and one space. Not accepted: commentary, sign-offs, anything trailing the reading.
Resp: 8:42
